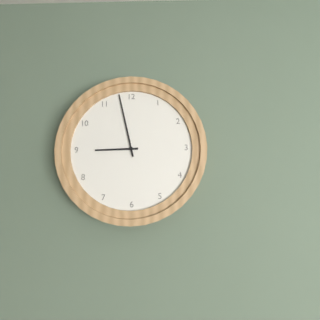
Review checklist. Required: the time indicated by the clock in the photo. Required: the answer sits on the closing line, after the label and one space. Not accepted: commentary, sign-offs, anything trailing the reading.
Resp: 8:58
